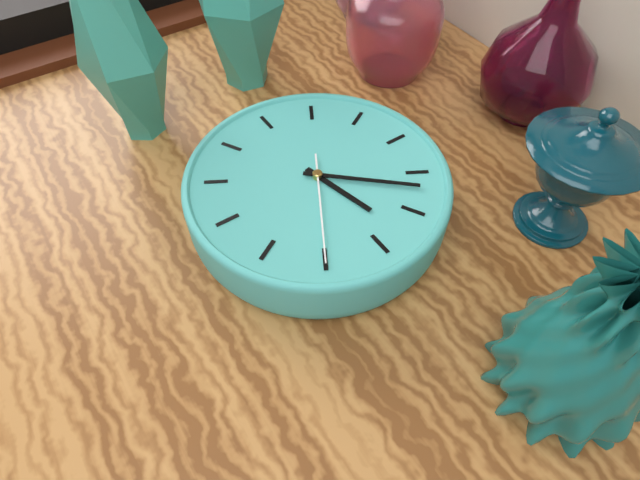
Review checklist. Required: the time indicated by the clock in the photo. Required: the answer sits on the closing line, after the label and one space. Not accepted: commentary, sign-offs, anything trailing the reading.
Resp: 7:32:45
